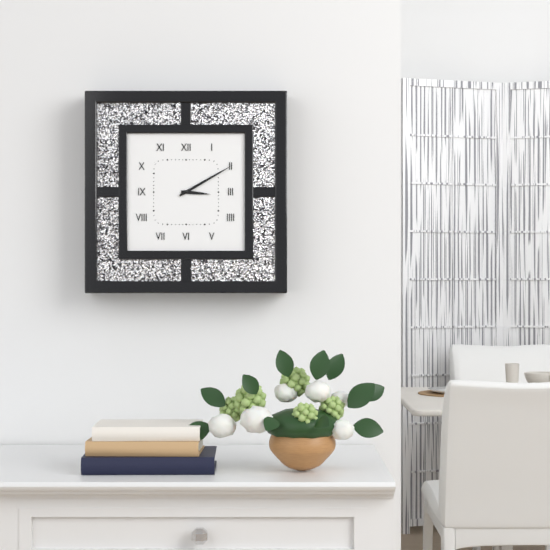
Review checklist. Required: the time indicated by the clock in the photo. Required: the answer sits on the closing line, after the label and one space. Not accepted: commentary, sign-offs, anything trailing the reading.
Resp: 3:10
